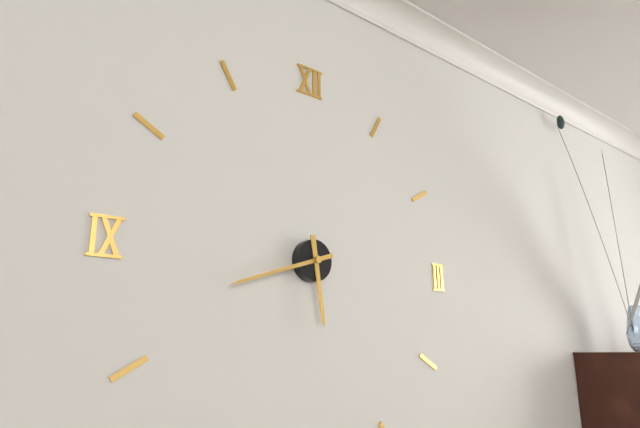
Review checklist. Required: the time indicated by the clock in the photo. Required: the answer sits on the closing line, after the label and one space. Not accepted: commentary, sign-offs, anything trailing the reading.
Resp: 5:42
